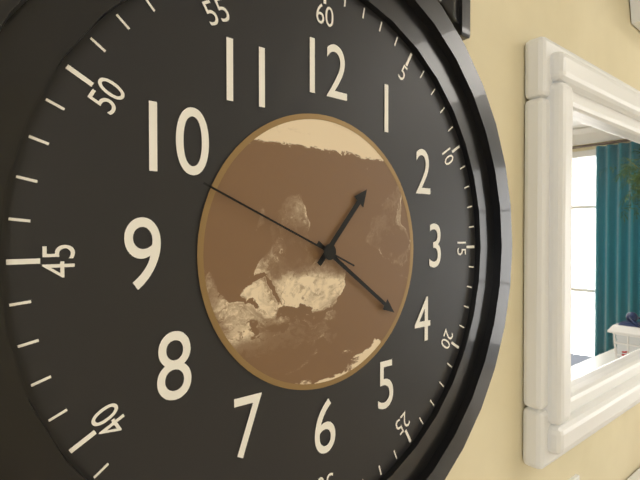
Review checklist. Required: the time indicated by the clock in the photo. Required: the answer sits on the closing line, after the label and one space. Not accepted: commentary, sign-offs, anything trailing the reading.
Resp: 1:21:49
